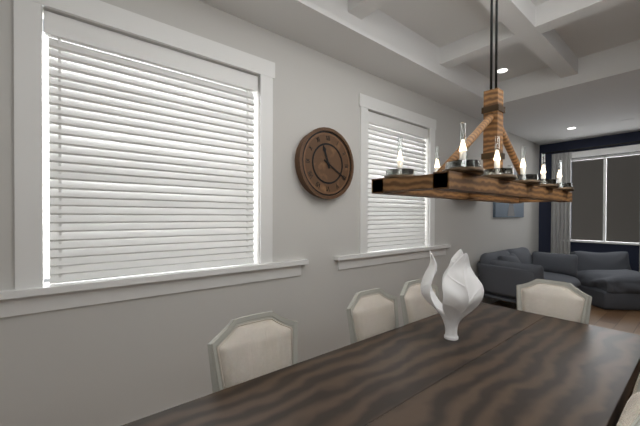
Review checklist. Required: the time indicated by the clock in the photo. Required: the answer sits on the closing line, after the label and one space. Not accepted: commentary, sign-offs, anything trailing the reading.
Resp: 11:20
